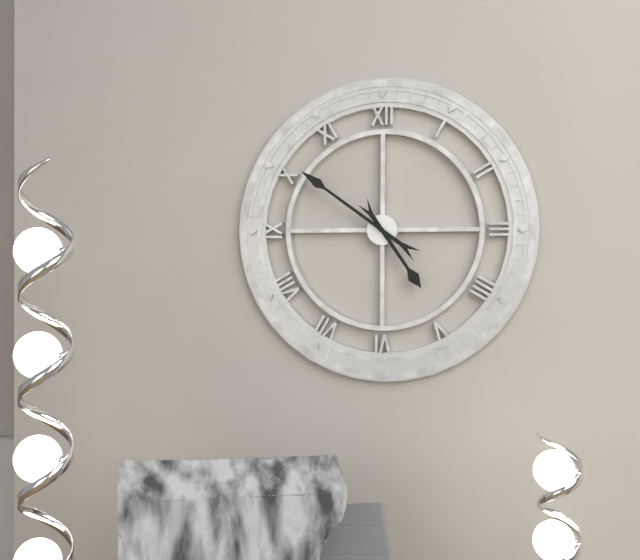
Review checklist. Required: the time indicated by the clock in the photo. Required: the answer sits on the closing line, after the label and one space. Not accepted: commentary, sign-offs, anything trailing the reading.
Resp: 4:51
